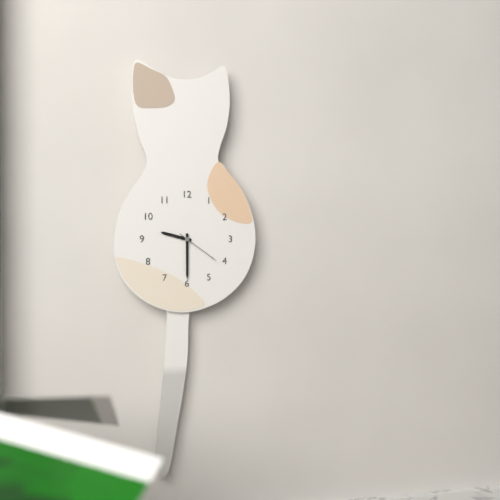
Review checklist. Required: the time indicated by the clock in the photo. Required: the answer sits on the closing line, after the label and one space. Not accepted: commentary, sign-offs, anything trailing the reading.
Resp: 9:30
